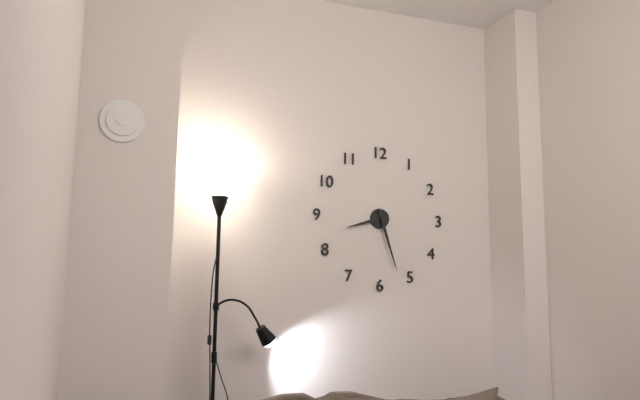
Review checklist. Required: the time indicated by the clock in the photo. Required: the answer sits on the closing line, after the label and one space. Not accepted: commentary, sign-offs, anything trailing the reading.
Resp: 8:27
